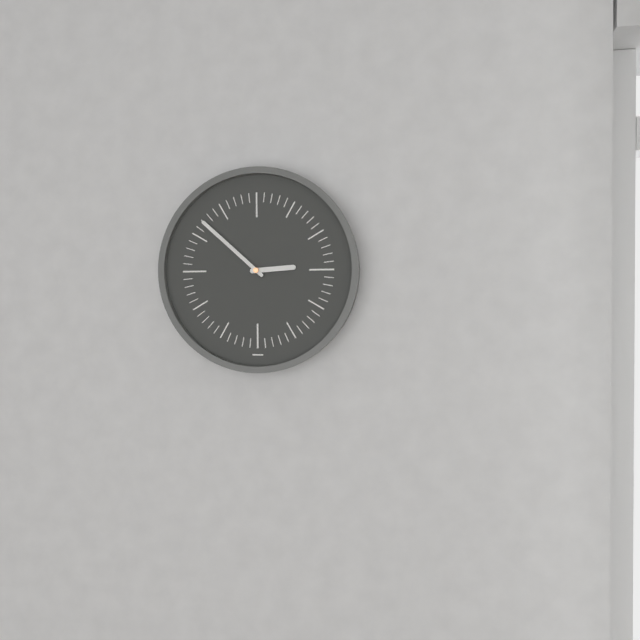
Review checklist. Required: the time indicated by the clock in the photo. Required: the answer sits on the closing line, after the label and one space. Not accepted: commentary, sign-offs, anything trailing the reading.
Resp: 2:52
